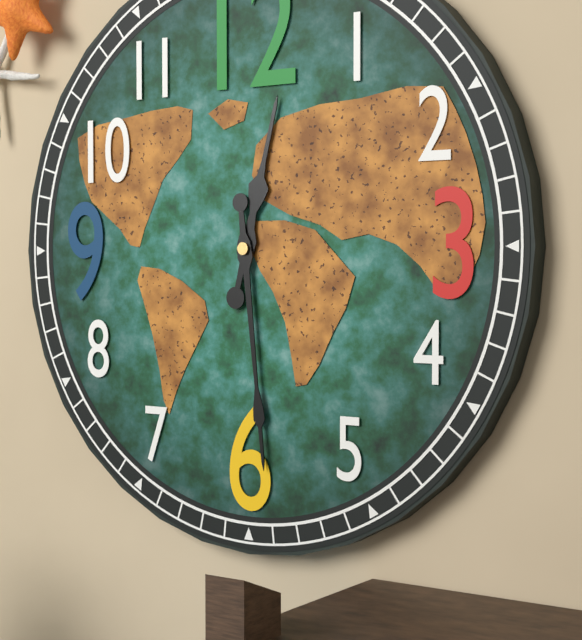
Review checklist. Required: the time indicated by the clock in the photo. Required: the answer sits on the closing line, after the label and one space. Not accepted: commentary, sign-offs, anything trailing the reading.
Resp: 12:29
